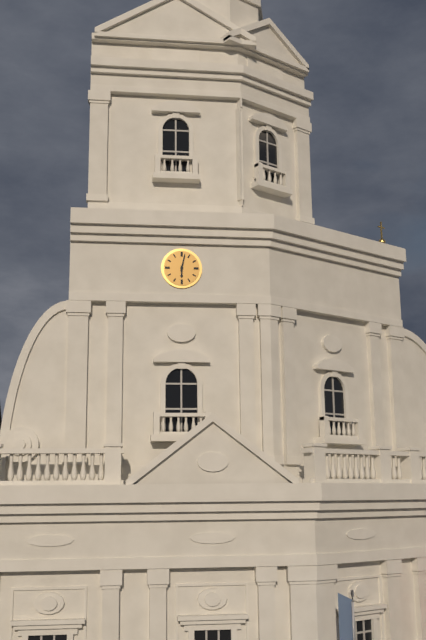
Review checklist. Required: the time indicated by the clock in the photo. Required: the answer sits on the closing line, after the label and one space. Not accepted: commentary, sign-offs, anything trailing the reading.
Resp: 6:02
